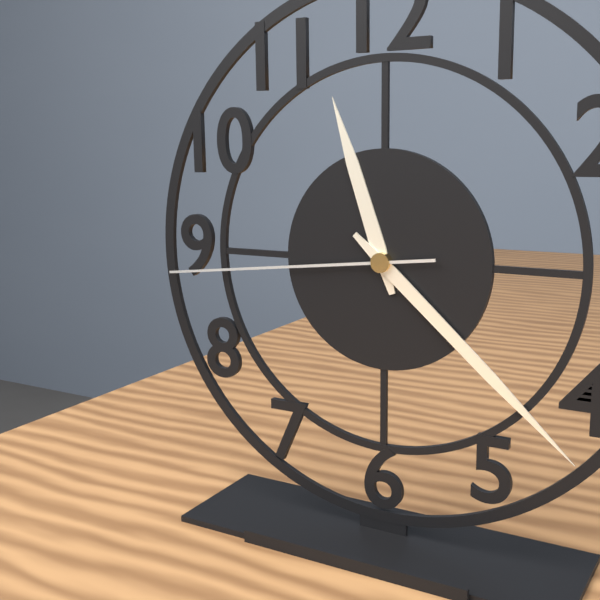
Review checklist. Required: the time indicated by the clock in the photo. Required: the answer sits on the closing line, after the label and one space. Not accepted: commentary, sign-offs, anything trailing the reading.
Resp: 11:22:44
